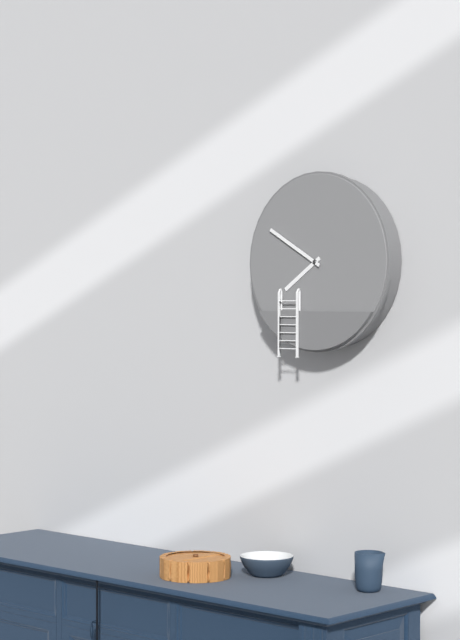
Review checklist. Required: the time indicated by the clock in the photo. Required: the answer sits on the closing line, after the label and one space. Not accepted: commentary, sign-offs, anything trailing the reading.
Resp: 7:50
